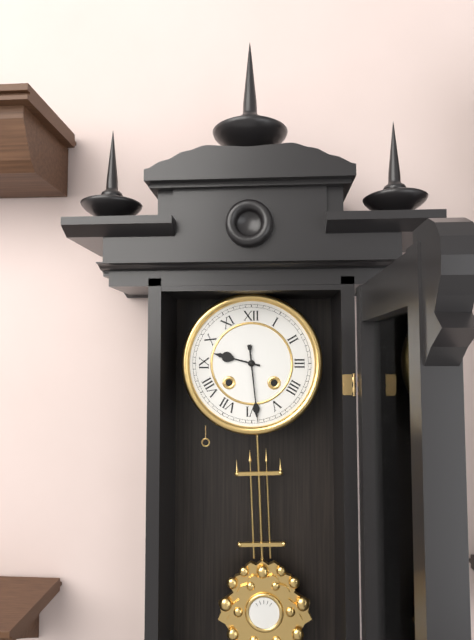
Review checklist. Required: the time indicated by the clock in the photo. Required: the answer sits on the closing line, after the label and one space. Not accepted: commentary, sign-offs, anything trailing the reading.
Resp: 9:29
